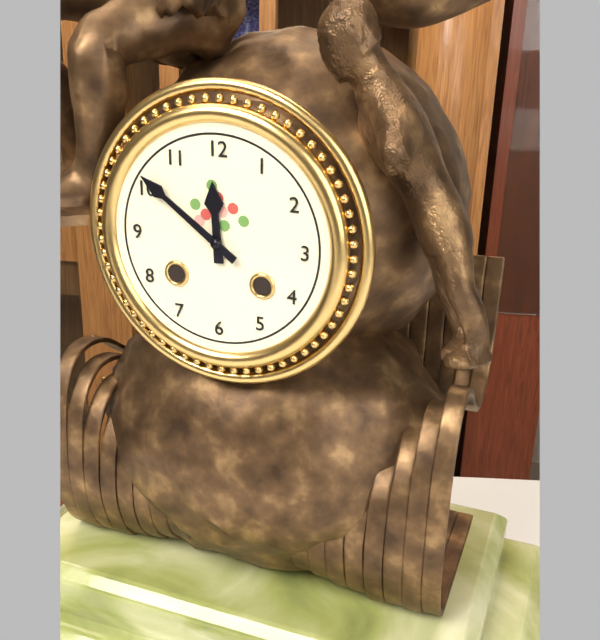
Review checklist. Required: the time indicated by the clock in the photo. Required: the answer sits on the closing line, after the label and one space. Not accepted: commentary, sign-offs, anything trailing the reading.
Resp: 11:51
